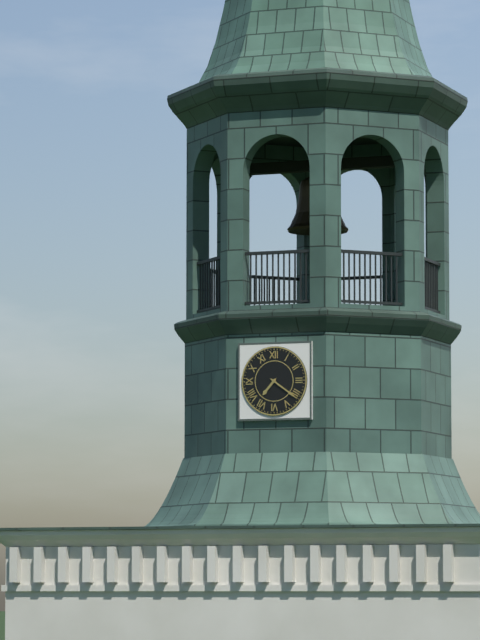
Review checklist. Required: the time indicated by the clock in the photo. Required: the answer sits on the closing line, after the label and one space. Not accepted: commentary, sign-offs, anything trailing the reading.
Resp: 7:21
